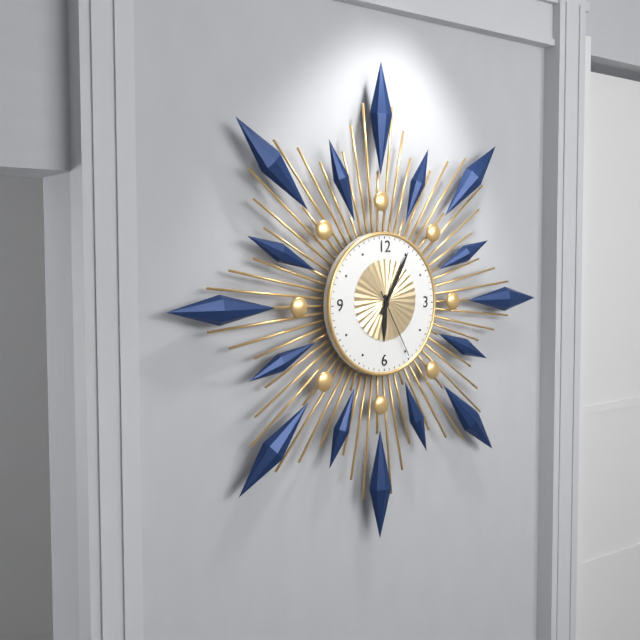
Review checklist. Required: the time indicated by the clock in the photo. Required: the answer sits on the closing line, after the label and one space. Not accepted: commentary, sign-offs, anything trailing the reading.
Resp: 6:05:25
